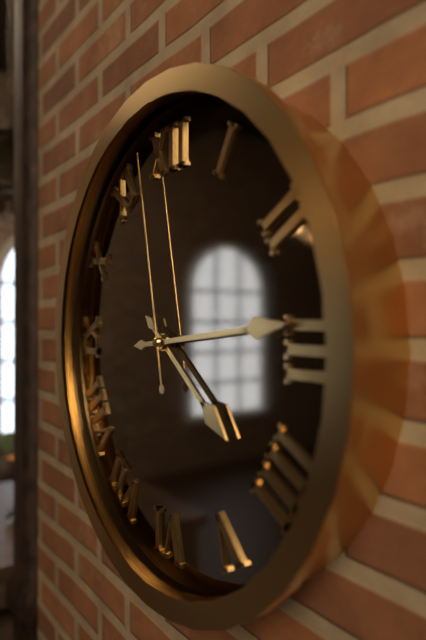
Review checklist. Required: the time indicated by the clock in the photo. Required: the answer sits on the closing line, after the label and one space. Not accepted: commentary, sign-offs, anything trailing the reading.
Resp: 4:14:58
